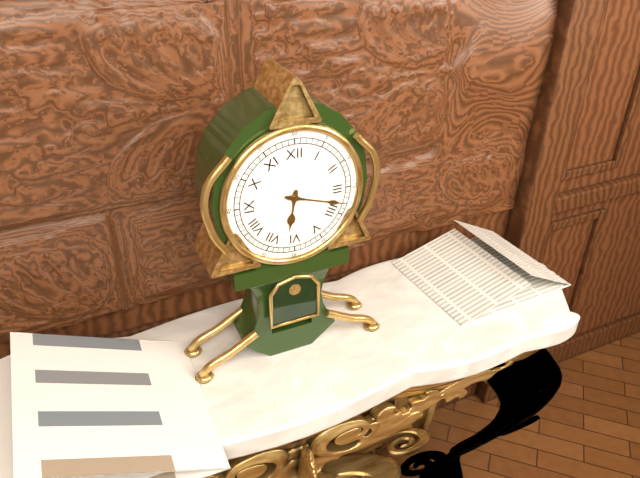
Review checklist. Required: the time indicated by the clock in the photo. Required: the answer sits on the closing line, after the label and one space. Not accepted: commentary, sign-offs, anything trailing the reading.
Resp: 6:18
